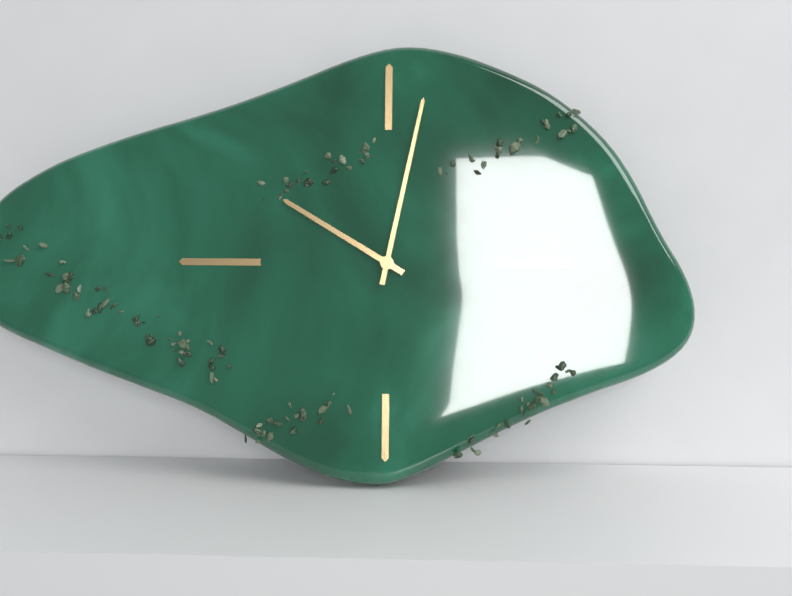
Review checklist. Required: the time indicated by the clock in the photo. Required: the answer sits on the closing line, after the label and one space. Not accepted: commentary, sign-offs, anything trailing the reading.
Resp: 10:02
